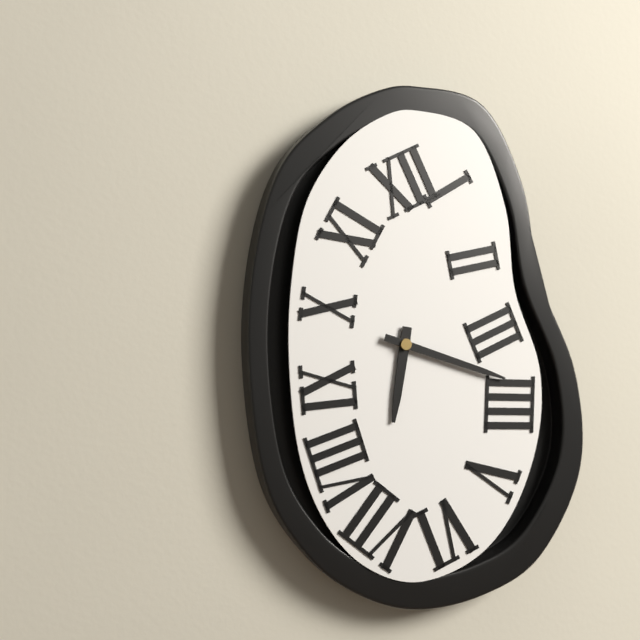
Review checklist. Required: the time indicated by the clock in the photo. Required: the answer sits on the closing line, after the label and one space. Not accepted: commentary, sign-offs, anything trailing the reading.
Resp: 6:18
